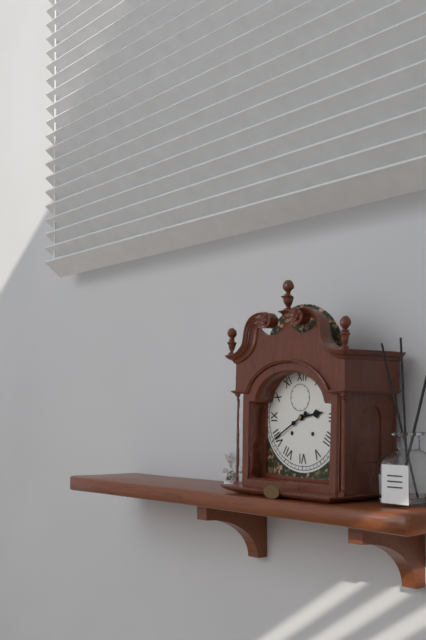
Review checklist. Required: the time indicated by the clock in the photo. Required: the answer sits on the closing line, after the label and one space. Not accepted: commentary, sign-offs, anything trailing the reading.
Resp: 2:40
